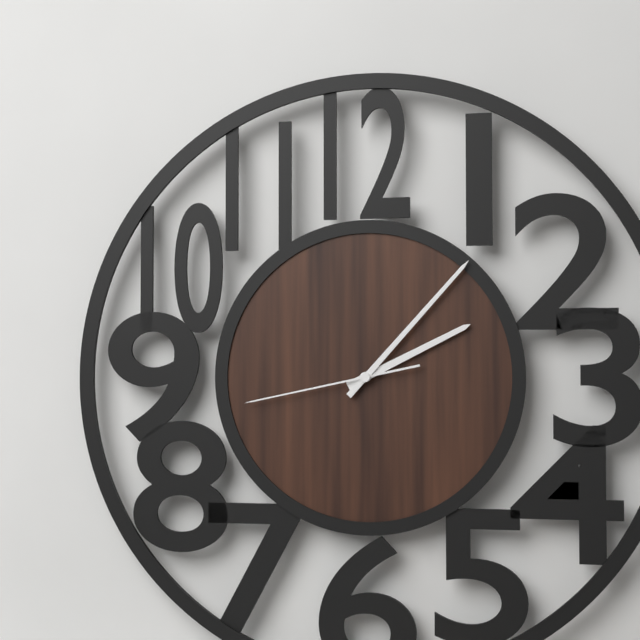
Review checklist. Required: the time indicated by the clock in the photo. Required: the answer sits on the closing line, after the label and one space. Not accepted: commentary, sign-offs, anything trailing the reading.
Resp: 2:07:43
